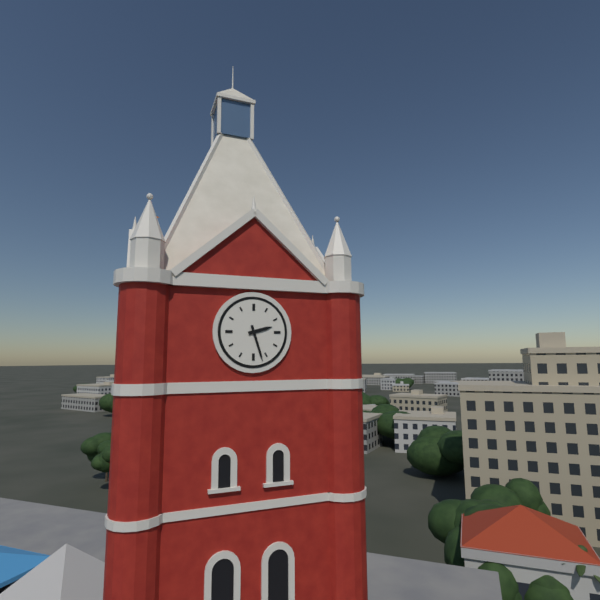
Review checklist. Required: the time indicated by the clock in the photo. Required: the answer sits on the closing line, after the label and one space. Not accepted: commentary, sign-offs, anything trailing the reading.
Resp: 2:27
